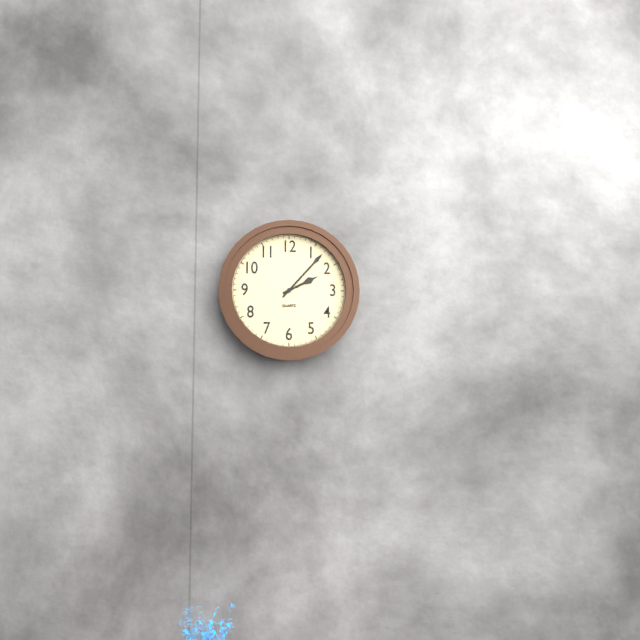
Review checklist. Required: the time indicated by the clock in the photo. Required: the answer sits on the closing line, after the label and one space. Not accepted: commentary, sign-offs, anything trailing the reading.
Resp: 2:07
